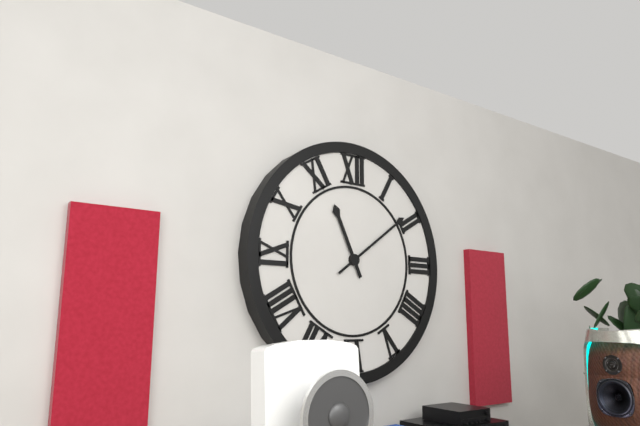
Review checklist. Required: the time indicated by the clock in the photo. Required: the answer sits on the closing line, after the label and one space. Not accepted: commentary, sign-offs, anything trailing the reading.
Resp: 11:09
